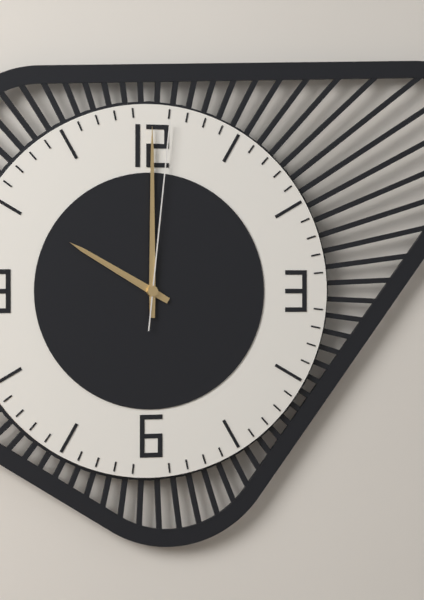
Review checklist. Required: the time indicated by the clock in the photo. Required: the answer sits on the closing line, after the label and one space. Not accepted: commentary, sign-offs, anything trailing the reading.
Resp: 10:00:01
